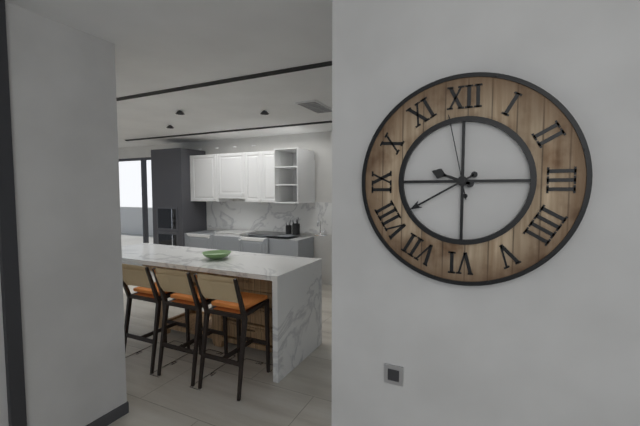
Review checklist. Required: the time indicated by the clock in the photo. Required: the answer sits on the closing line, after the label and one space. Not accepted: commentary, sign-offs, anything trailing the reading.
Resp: 9:40:58
